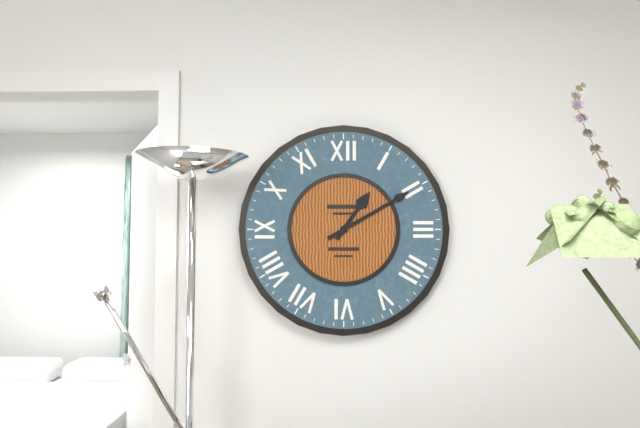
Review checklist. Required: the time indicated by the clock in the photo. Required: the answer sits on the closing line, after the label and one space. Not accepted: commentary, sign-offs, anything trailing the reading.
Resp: 1:10
